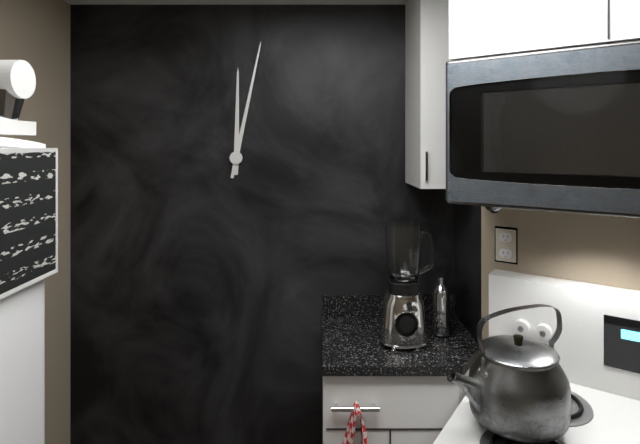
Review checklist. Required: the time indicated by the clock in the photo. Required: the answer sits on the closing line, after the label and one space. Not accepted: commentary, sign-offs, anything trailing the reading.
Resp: 12:02
